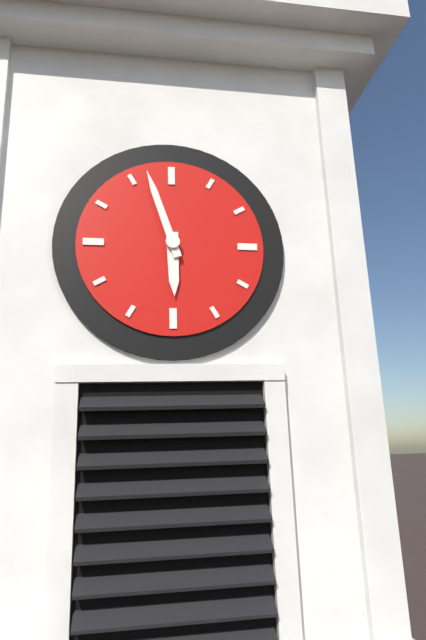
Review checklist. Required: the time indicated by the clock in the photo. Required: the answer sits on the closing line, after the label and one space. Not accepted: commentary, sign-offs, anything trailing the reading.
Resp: 5:57
